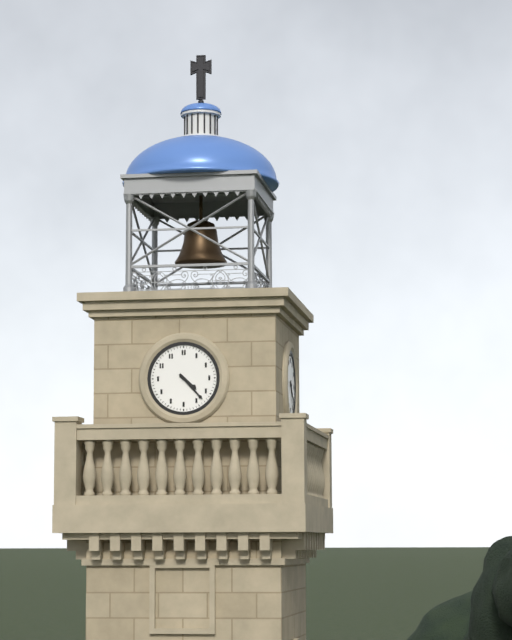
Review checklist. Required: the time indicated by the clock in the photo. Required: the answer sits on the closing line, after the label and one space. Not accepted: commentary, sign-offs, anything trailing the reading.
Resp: 4:23
